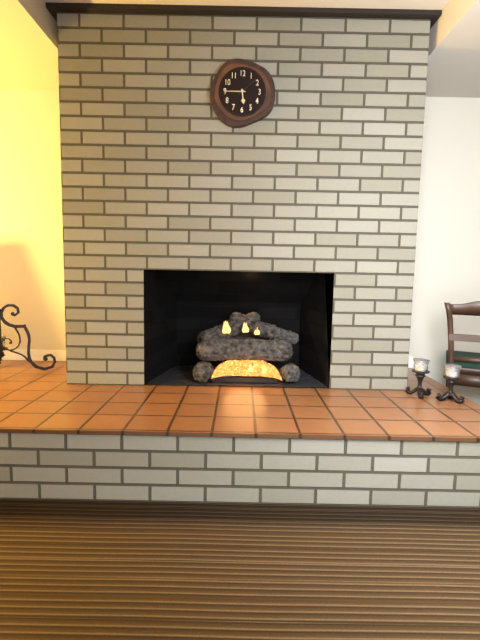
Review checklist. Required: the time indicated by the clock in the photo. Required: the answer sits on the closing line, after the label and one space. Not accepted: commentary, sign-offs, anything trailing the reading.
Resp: 5:45
